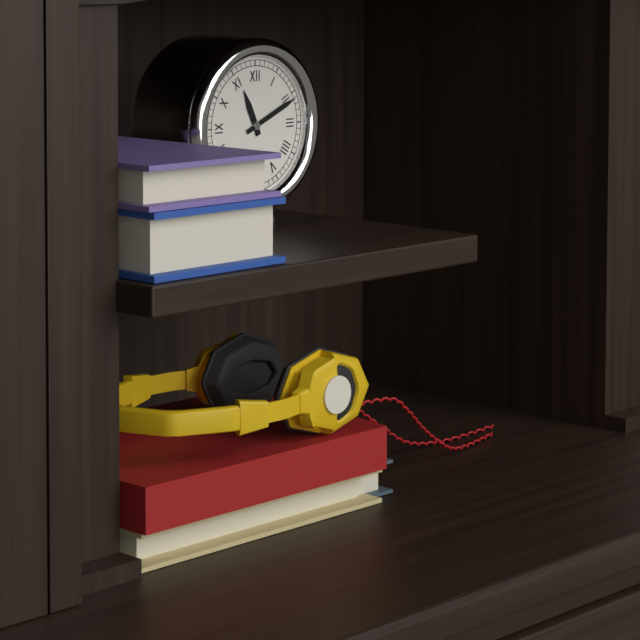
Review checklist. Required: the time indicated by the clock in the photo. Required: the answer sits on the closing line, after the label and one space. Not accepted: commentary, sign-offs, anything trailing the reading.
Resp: 11:11
